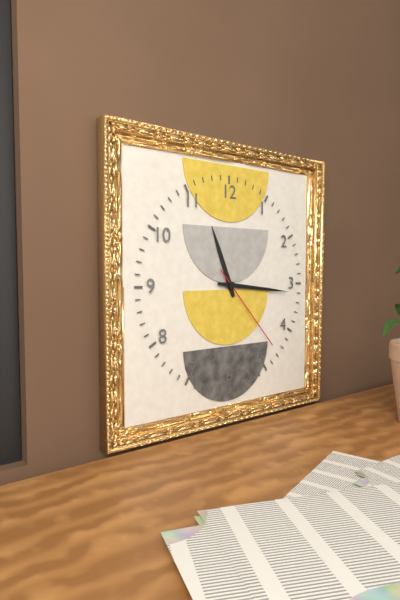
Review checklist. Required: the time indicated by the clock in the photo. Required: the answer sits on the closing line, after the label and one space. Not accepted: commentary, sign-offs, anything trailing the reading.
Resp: 11:16:23
